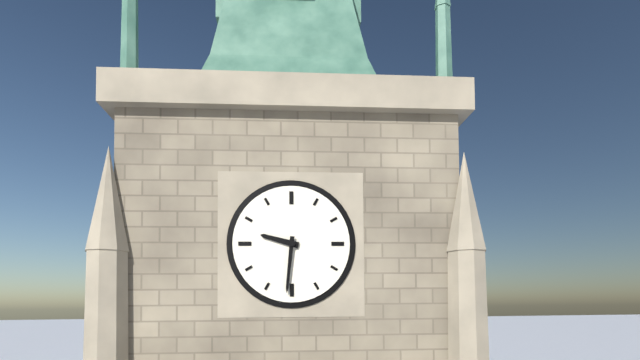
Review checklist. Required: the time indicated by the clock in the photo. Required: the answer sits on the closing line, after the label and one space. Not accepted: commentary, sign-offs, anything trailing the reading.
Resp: 9:31
